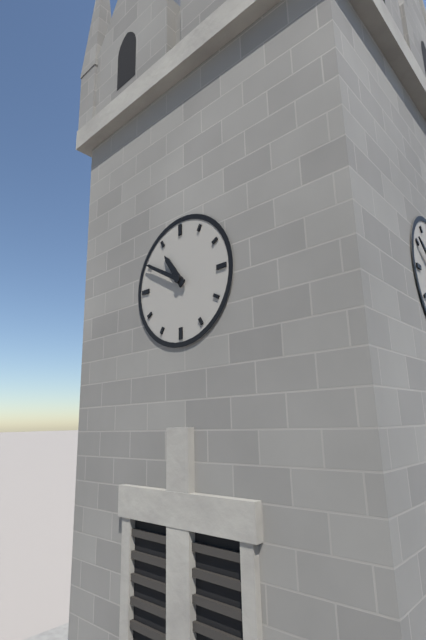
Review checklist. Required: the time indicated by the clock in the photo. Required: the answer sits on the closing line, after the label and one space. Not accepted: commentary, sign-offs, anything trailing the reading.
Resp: 10:50
